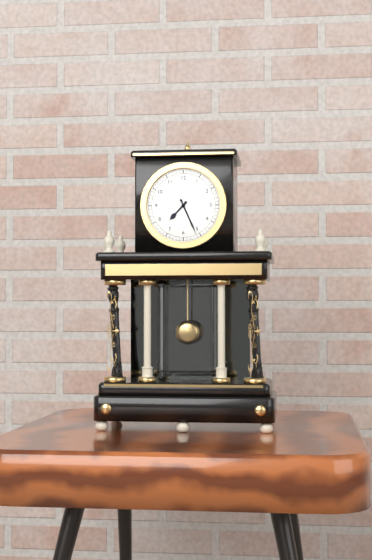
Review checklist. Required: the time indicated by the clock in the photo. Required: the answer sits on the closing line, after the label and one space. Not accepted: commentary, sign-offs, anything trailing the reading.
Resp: 7:26
